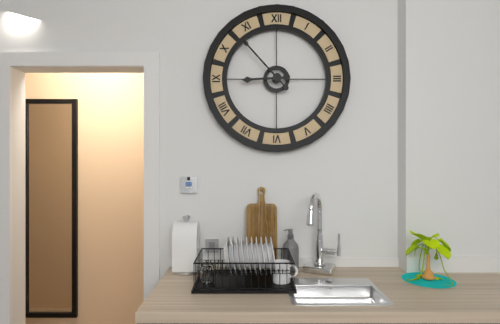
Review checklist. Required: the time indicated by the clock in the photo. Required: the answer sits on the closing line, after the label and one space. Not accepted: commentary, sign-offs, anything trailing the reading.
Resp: 8:53
